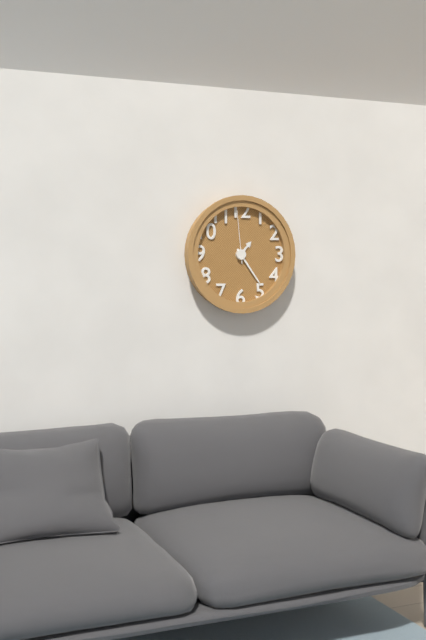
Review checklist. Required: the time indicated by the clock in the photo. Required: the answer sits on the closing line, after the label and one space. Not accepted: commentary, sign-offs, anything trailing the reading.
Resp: 1:24:59
